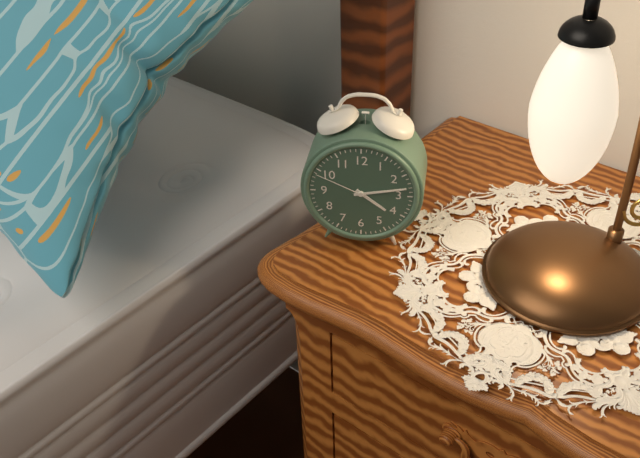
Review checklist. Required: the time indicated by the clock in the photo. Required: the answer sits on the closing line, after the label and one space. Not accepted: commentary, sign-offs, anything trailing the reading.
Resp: 4:13:49
